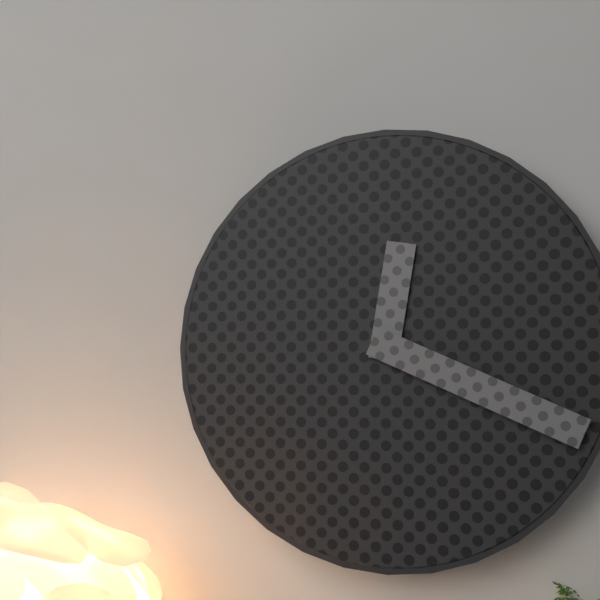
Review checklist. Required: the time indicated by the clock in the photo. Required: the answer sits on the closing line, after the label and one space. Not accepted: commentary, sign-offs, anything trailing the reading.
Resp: 12:19
